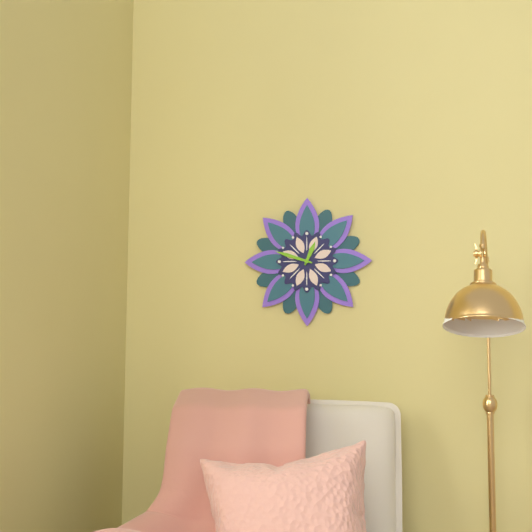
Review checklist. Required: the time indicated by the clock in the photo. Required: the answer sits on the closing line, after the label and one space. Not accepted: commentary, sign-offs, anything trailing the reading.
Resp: 12:48
